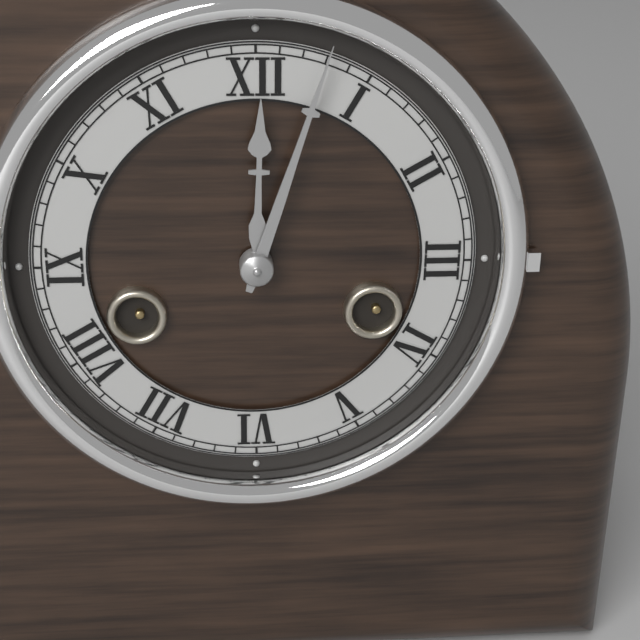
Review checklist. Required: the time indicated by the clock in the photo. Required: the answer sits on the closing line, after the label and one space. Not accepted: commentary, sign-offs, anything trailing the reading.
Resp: 12:03
